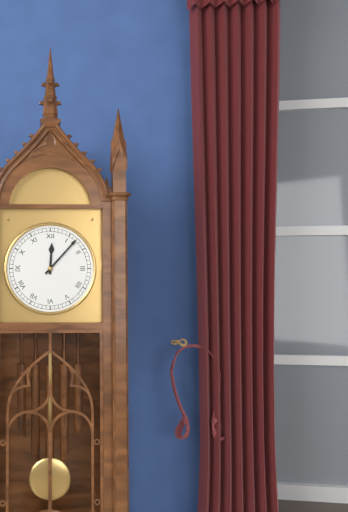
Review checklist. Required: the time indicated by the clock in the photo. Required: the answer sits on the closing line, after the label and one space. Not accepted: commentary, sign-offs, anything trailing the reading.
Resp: 12:07
